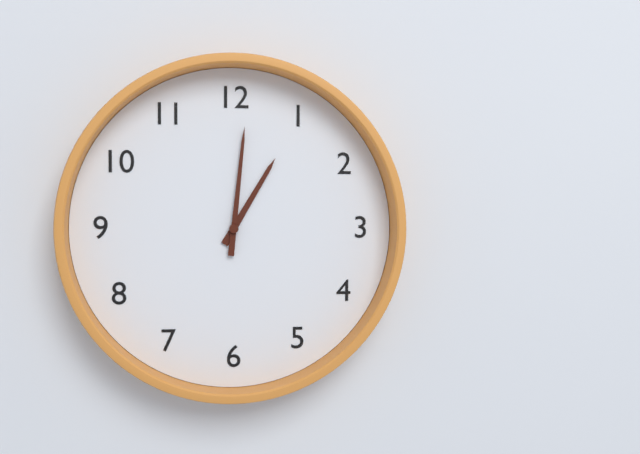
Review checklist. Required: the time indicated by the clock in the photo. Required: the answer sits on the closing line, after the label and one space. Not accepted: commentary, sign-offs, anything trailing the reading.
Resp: 1:01
